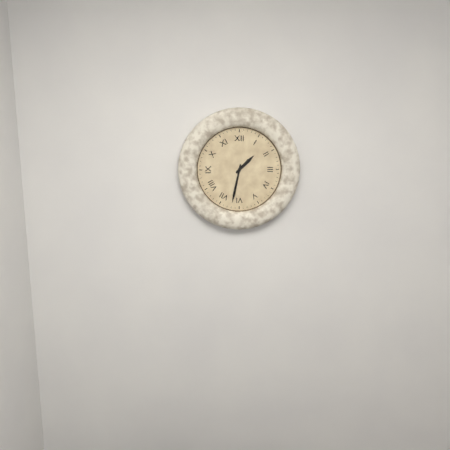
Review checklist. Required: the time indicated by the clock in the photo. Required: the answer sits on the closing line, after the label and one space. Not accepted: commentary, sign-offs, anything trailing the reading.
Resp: 1:32
